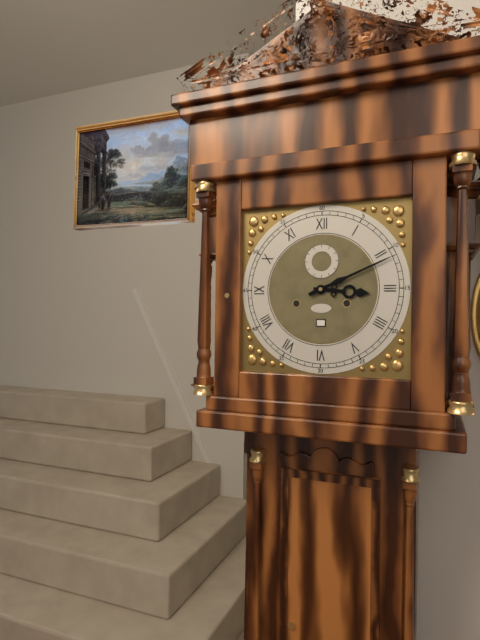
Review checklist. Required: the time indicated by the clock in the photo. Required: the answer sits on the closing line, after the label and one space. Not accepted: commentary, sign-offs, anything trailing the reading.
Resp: 3:11
